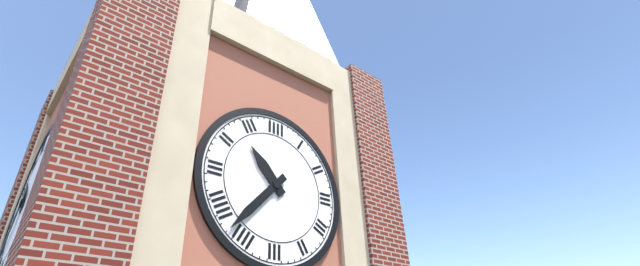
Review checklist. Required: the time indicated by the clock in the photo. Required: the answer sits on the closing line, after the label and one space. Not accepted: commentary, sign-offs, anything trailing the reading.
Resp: 10:37
